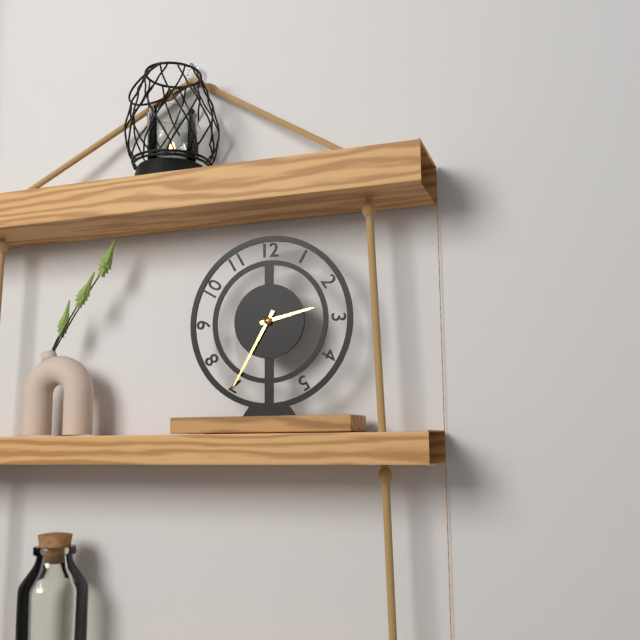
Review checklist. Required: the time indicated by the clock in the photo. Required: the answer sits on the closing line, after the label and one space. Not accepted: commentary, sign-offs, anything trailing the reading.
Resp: 2:35
